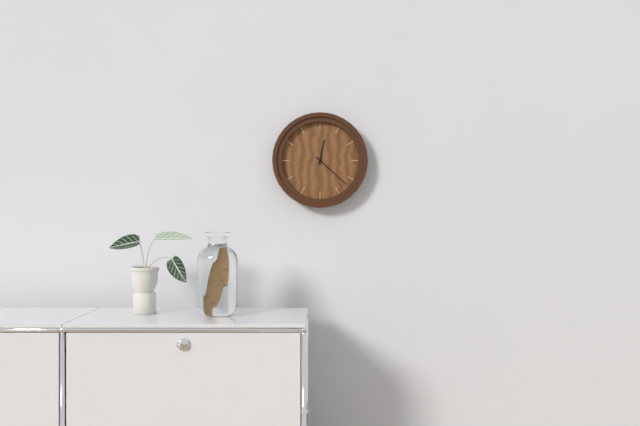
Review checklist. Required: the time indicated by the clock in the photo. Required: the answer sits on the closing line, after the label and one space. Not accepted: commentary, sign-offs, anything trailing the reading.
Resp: 12:22
